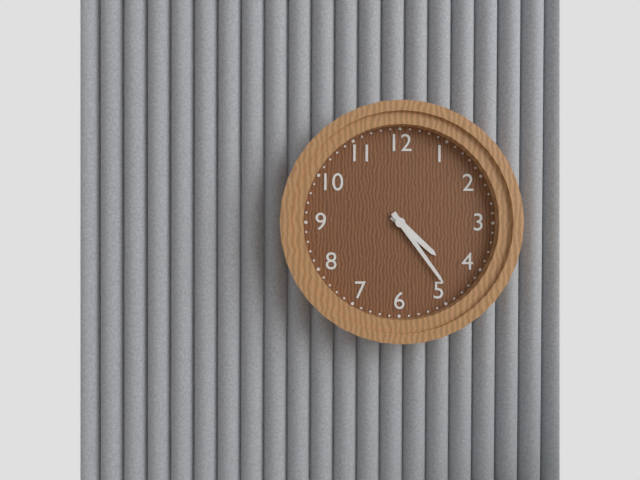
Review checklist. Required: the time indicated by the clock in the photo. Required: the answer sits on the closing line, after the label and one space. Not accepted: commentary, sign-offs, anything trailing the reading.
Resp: 4:24
